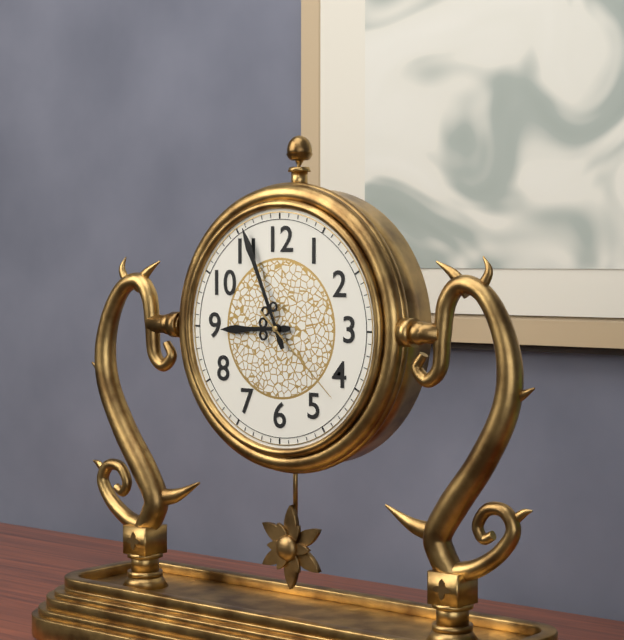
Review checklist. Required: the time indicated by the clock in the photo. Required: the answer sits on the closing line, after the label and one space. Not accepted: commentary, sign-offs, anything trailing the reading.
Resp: 8:56:22
